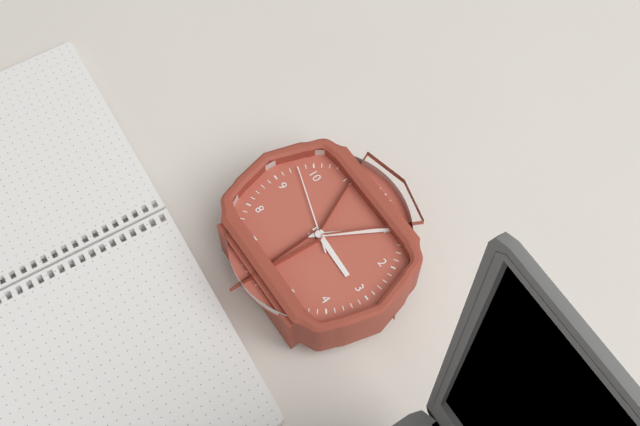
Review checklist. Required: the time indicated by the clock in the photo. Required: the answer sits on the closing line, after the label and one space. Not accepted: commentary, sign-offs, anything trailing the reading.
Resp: 3:05:48
